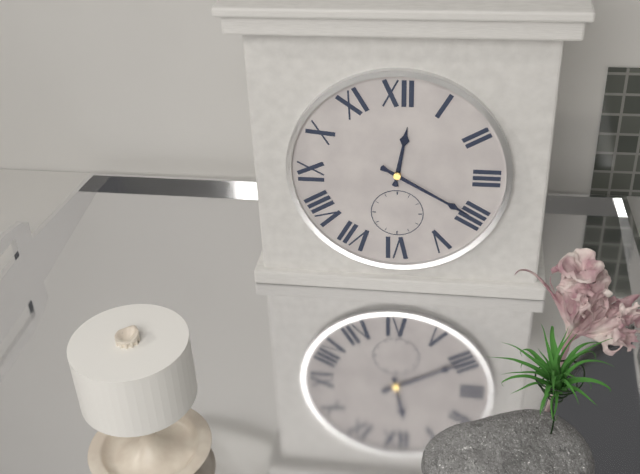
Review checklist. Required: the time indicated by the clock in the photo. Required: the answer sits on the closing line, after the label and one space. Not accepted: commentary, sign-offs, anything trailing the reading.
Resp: 12:20
